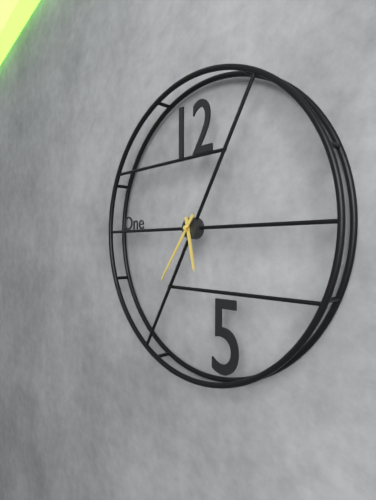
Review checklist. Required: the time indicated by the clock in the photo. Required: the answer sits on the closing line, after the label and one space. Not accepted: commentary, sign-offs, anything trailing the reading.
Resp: 5:36
